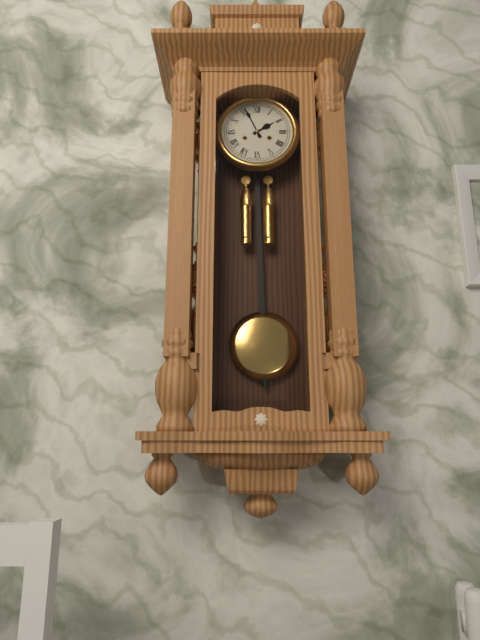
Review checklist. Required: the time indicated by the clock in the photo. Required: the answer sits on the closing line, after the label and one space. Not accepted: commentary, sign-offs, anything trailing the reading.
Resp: 1:56
